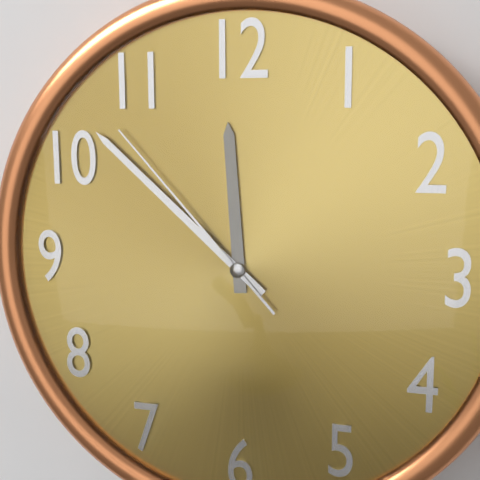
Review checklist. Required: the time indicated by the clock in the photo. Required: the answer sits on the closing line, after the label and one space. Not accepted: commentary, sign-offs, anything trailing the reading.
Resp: 11:52:53
